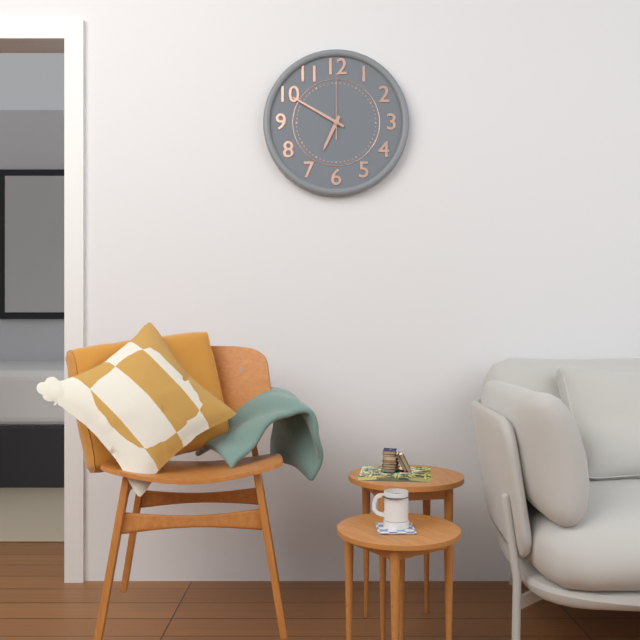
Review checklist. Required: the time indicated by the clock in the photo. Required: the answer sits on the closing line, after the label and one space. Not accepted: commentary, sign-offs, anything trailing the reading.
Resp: 6:50:00
